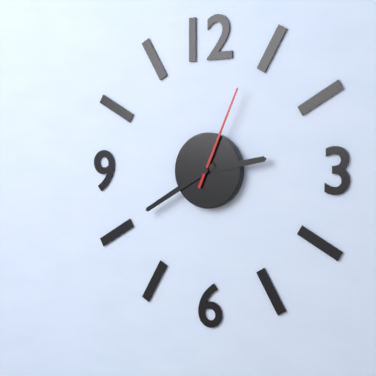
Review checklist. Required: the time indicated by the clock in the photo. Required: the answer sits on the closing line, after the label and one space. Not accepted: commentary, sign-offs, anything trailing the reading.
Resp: 2:40:04
